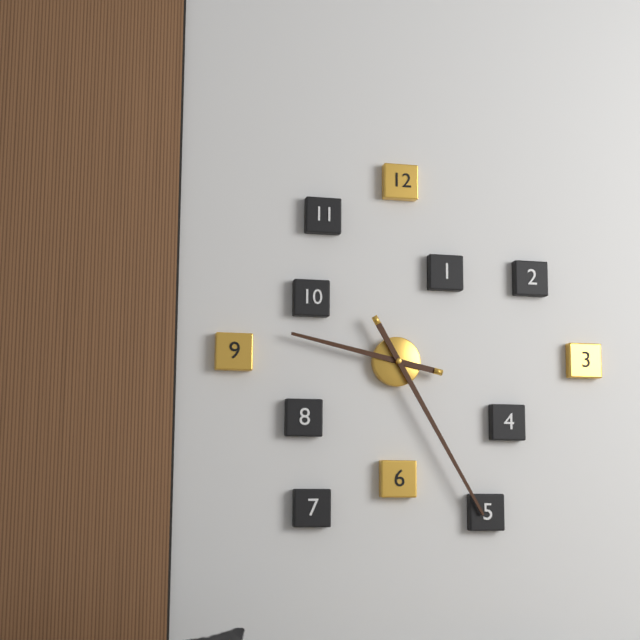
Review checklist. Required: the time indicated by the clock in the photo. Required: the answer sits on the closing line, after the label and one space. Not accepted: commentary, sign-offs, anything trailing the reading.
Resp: 9:25
